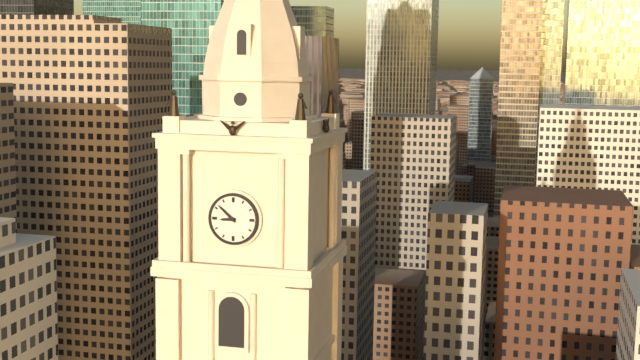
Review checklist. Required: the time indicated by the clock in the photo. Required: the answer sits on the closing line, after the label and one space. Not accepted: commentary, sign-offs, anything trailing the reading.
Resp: 8:52
